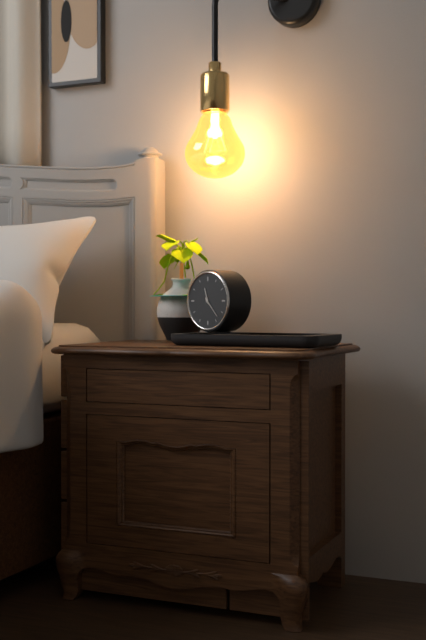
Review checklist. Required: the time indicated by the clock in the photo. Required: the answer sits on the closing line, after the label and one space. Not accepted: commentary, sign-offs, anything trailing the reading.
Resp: 11:23
